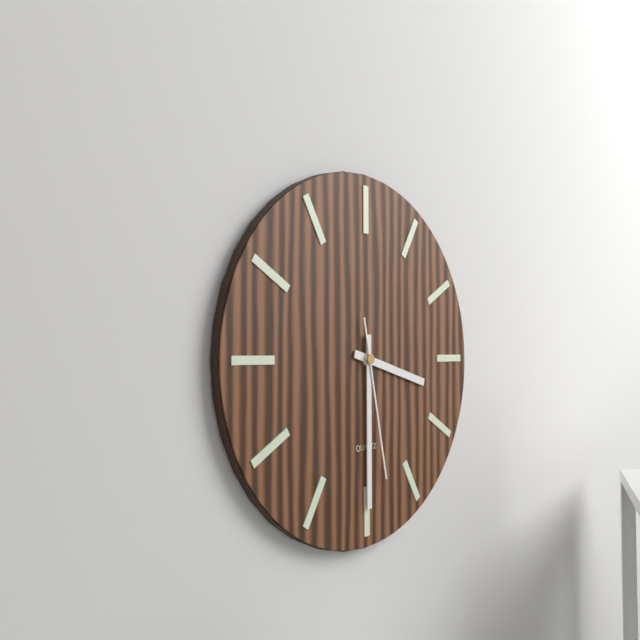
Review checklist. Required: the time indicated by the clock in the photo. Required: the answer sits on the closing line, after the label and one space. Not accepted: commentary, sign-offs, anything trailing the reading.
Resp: 3:30:28
